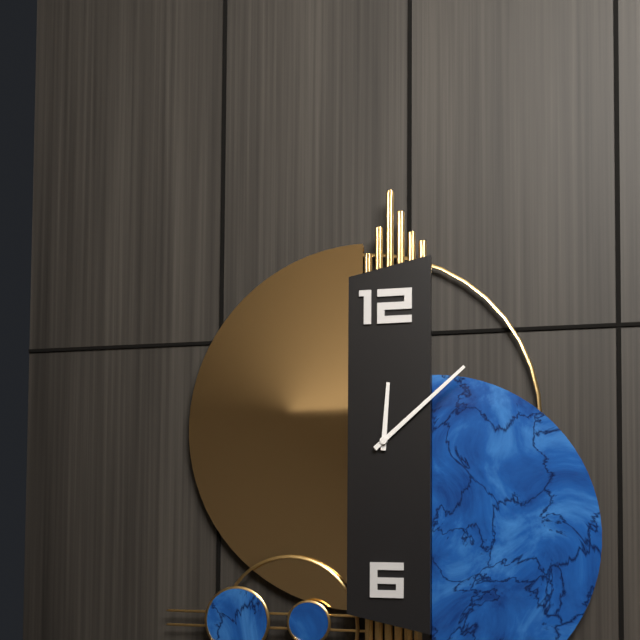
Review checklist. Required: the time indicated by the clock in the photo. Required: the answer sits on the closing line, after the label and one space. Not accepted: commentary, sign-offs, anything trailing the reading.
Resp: 12:08
